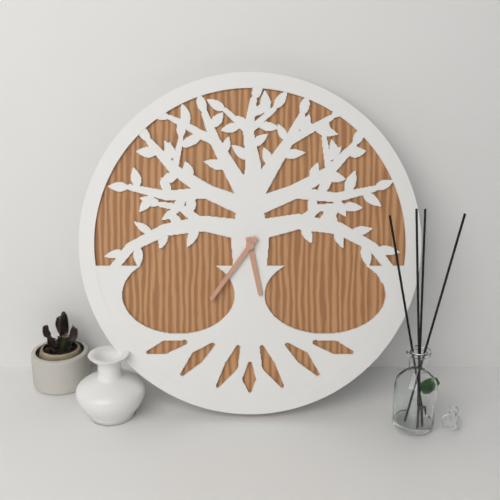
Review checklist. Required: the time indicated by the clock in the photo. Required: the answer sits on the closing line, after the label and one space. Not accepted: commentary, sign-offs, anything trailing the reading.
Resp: 5:36
